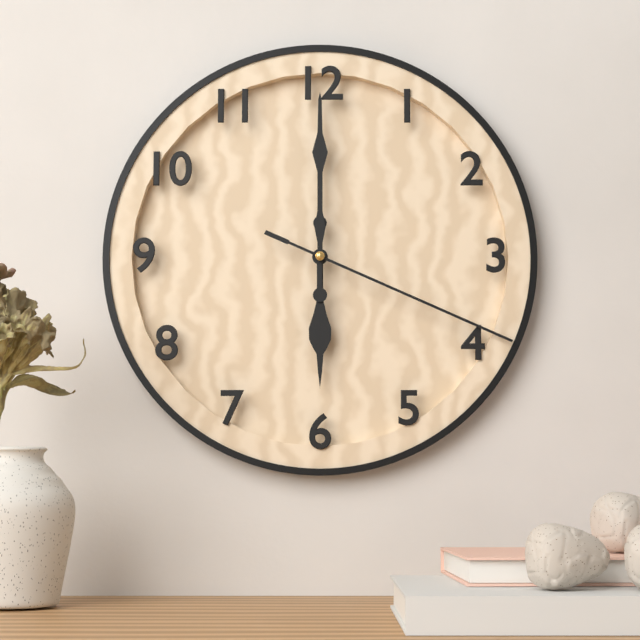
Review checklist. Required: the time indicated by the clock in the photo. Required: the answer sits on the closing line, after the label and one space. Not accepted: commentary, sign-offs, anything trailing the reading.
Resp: 6:00:19
